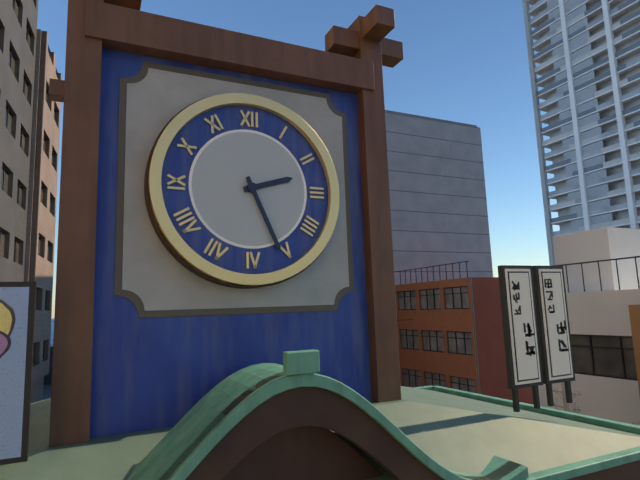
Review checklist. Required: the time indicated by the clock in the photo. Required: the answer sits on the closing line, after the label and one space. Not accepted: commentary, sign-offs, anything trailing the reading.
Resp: 2:26
